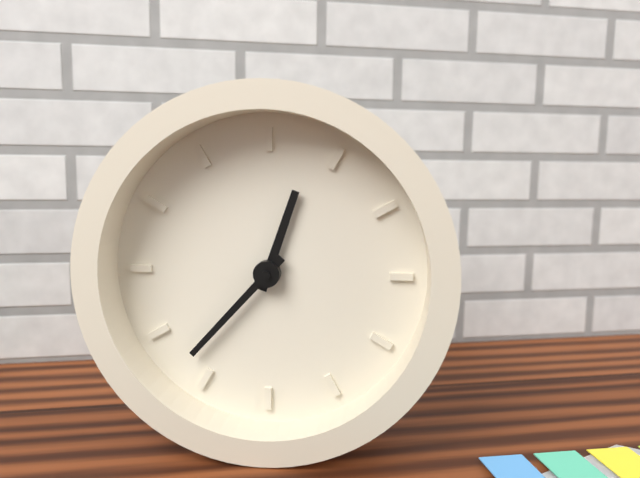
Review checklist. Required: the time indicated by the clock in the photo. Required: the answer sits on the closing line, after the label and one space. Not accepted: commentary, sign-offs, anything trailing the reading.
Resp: 12:37
